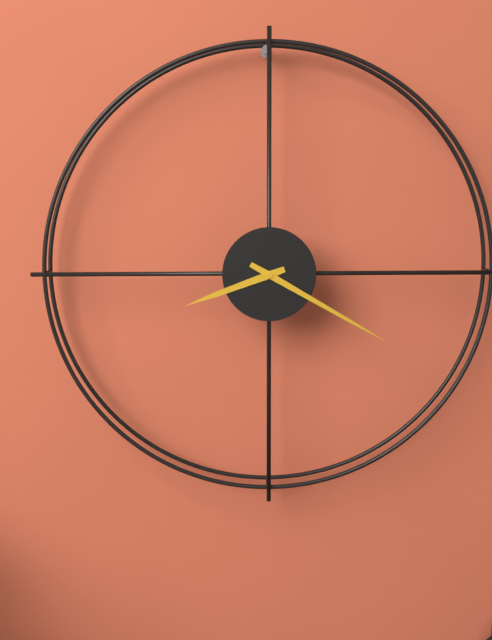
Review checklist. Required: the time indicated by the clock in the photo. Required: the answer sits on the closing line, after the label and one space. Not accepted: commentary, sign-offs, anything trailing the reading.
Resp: 8:20
